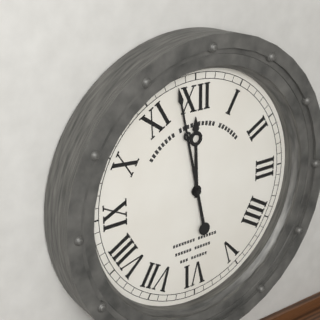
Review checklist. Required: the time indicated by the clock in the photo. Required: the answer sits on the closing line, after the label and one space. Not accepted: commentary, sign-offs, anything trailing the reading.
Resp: 11:58
